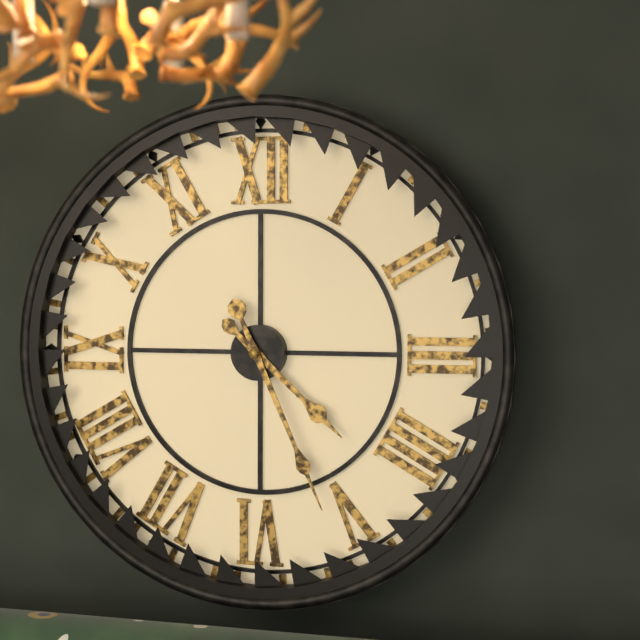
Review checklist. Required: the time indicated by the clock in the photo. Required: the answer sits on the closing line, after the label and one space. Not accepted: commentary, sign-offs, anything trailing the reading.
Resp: 4:26
